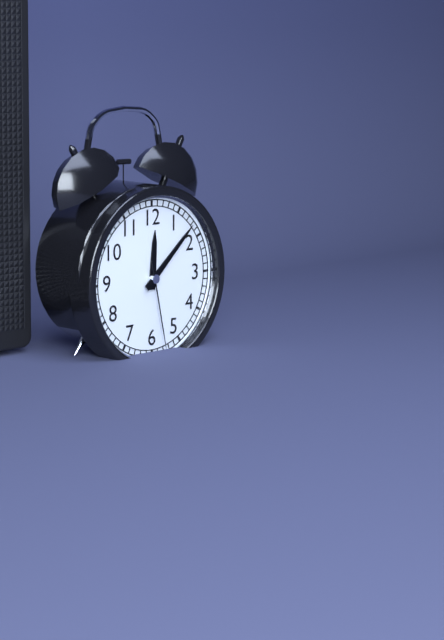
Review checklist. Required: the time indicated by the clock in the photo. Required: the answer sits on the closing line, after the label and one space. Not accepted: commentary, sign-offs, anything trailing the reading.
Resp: 12:08:28
